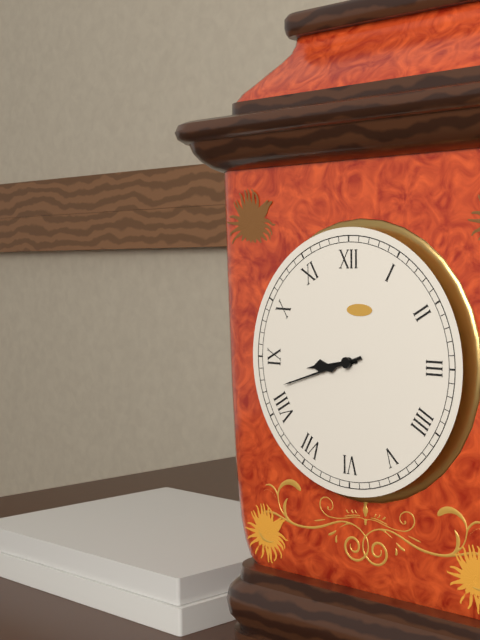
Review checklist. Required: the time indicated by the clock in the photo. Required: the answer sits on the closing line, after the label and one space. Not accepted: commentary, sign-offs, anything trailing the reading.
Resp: 8:42
